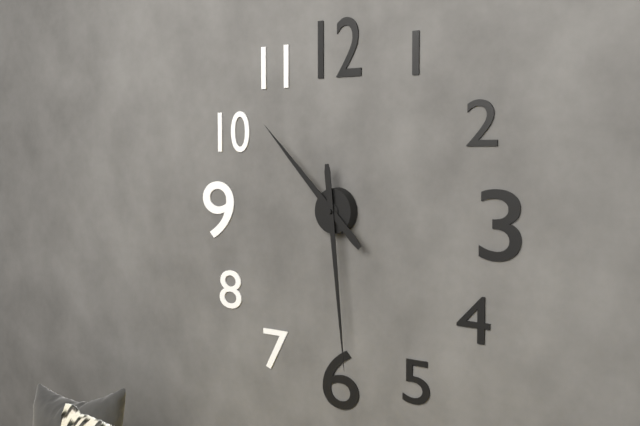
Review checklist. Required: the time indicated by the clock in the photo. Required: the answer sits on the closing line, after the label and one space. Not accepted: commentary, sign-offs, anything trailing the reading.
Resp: 10:29
